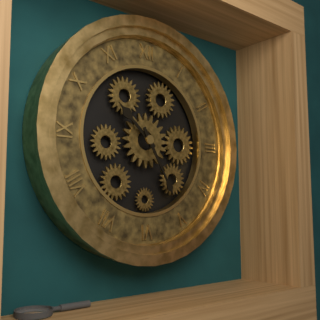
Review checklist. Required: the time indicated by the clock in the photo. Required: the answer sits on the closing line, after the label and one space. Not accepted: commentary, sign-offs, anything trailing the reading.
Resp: 10:25
